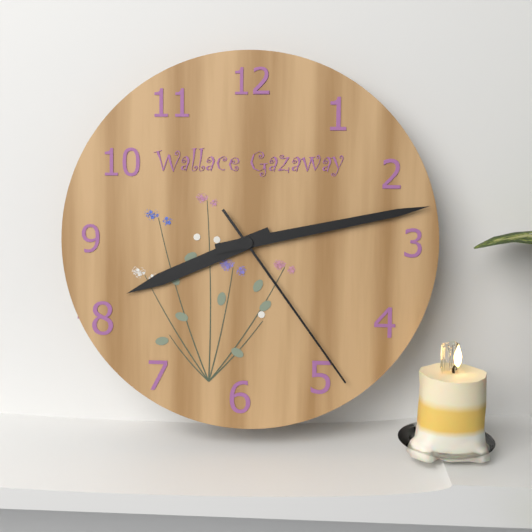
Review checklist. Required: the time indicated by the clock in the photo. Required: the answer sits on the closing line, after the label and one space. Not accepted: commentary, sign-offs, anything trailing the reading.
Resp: 8:13:24
